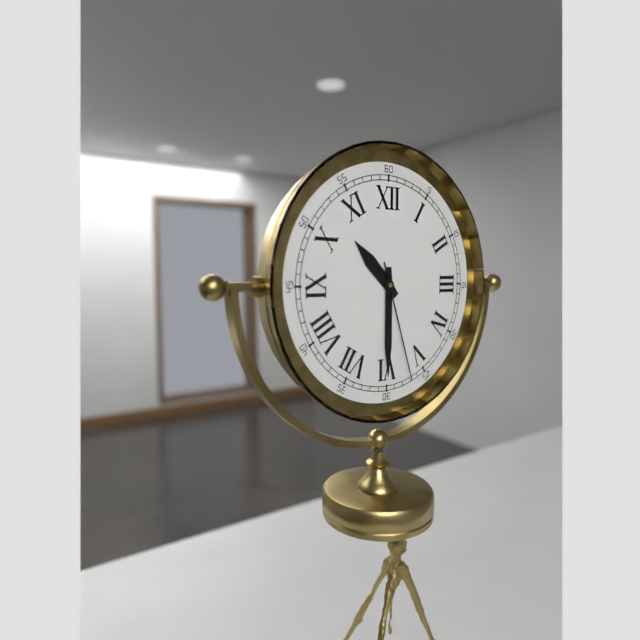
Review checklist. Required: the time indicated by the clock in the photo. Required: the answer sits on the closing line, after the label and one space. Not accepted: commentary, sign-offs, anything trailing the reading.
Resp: 10:30:27
